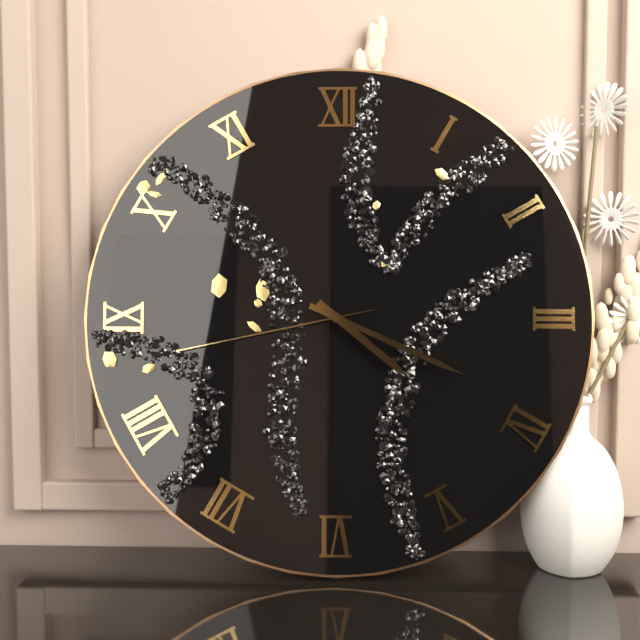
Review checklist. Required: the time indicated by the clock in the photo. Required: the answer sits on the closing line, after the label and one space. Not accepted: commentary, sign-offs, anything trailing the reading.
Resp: 4:19:43
